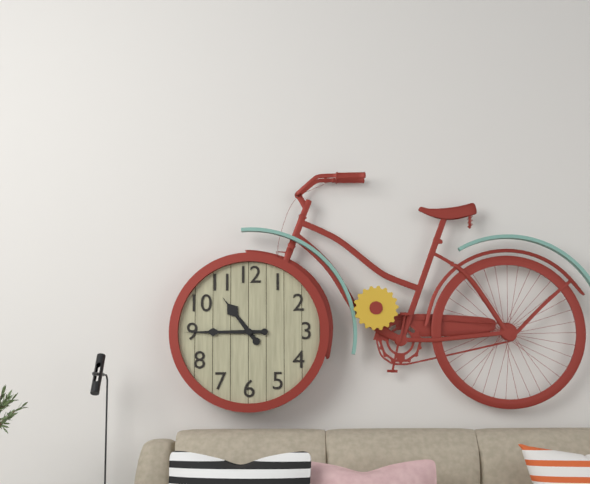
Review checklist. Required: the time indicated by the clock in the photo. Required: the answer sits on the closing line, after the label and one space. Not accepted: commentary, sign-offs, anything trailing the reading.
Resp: 10:45
